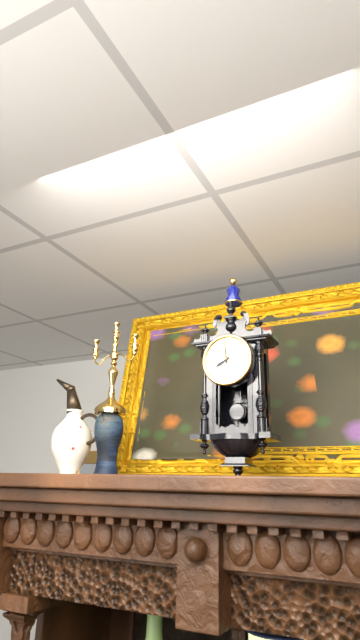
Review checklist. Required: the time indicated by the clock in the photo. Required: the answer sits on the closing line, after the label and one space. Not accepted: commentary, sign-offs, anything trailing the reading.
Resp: 7:59
